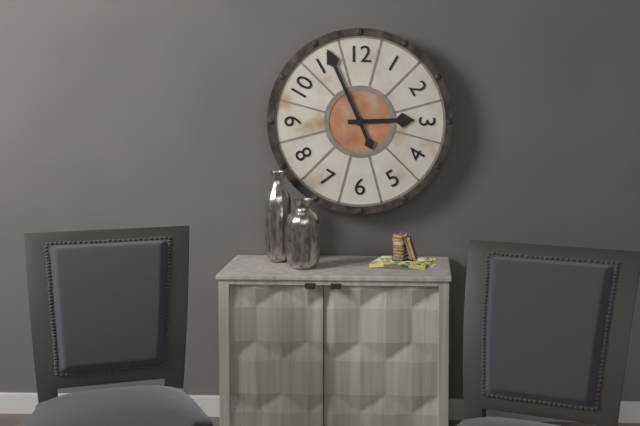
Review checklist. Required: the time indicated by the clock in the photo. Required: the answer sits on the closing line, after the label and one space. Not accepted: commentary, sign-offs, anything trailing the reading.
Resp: 2:56
